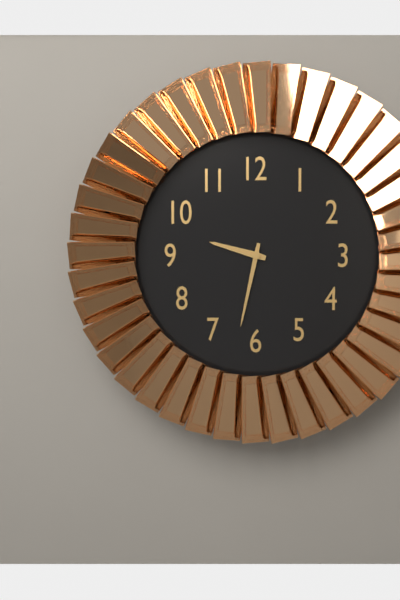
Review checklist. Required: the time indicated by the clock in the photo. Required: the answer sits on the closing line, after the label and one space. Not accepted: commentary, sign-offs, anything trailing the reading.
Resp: 9:32
